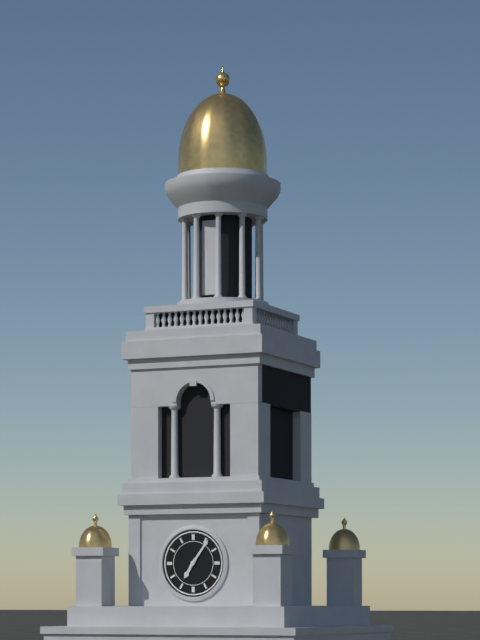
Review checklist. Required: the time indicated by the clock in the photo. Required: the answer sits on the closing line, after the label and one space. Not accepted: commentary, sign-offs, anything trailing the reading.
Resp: 7:06
